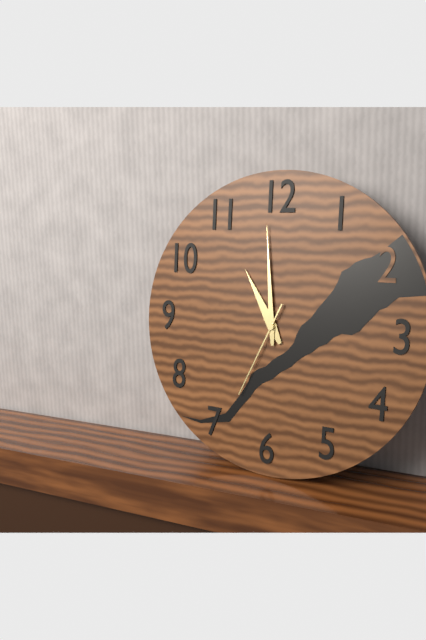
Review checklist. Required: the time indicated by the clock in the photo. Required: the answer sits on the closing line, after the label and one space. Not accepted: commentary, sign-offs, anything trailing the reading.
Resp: 10:59:34
